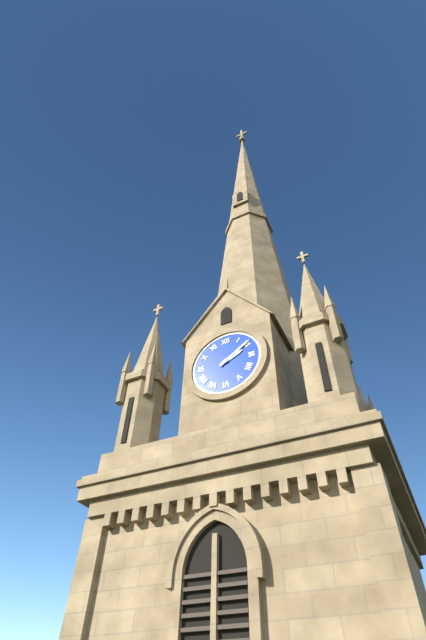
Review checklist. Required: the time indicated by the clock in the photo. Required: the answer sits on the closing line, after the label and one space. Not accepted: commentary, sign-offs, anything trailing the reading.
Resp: 2:09
